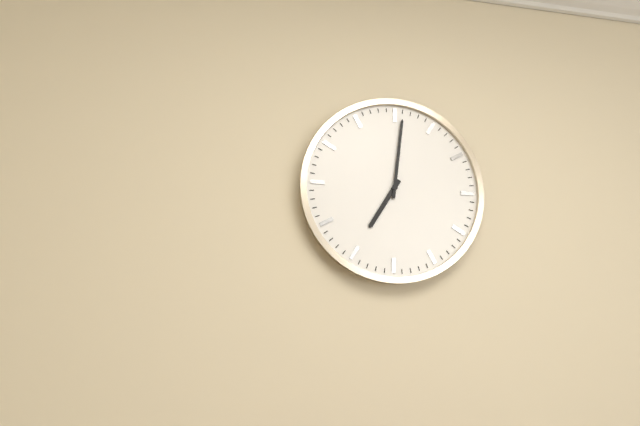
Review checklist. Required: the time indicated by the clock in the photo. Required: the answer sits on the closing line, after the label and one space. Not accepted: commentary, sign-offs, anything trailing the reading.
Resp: 7:01
